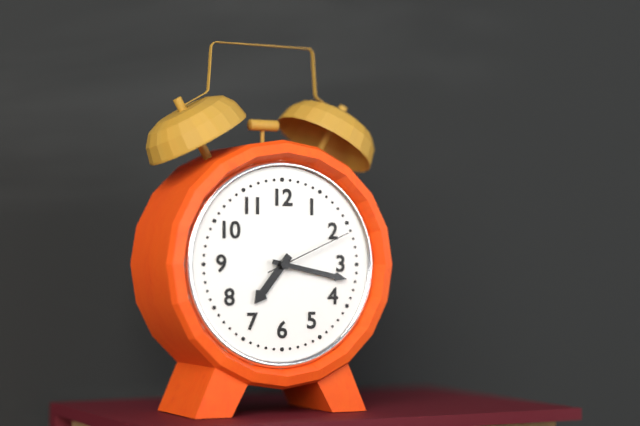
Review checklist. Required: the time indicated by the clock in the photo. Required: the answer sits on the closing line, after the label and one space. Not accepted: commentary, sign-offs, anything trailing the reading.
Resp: 7:17:11
